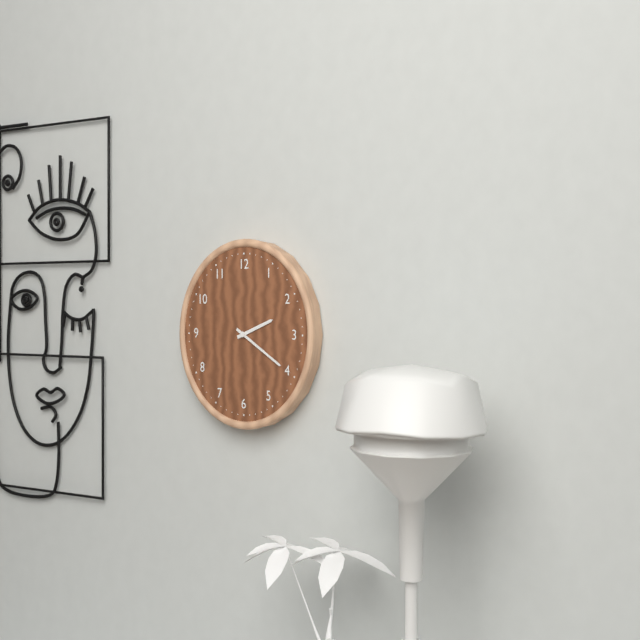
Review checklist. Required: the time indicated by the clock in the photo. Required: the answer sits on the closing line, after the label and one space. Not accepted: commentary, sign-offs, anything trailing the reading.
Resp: 2:20
